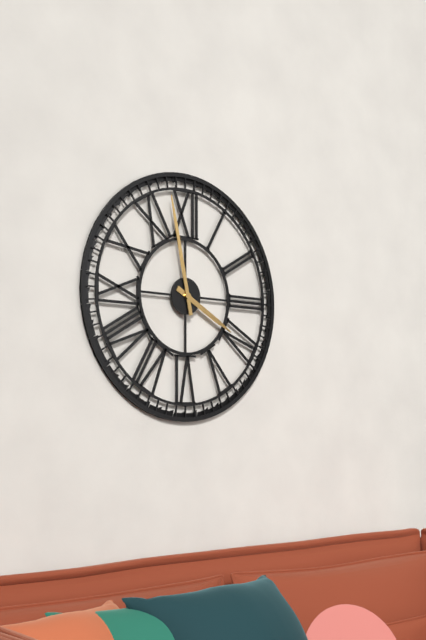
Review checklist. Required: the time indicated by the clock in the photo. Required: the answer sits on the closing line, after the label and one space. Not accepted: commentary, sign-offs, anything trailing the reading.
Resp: 3:58
